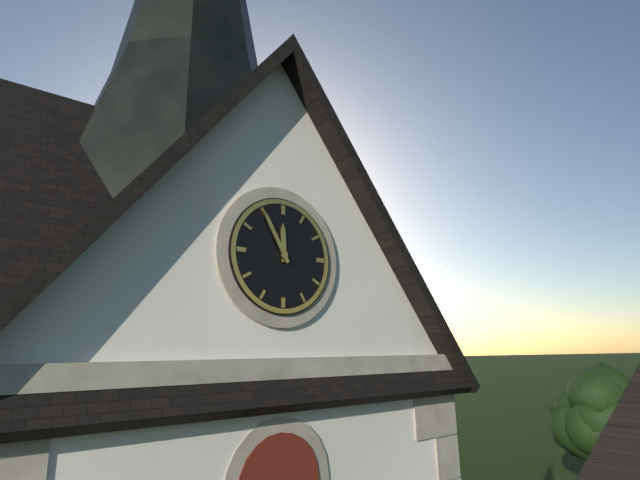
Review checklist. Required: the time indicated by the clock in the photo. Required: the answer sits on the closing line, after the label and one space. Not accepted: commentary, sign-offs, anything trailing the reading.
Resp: 11:55
